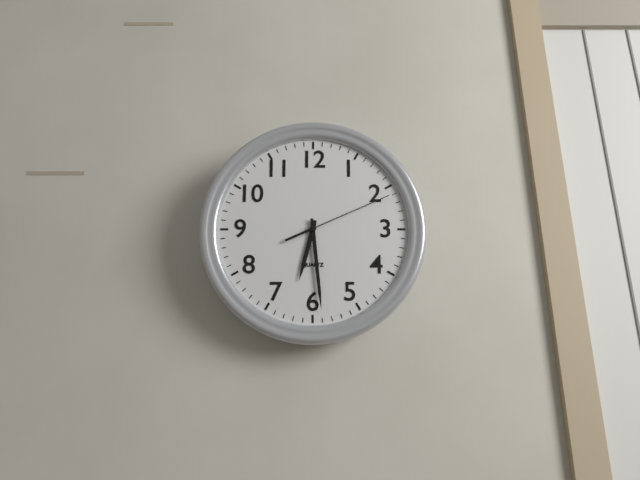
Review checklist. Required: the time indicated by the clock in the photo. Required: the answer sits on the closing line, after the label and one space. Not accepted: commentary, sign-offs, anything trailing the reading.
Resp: 6:29:11
